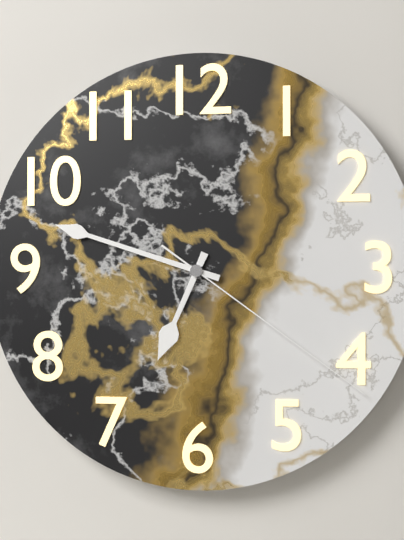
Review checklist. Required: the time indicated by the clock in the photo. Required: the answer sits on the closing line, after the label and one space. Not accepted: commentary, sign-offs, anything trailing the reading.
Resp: 6:48:21
